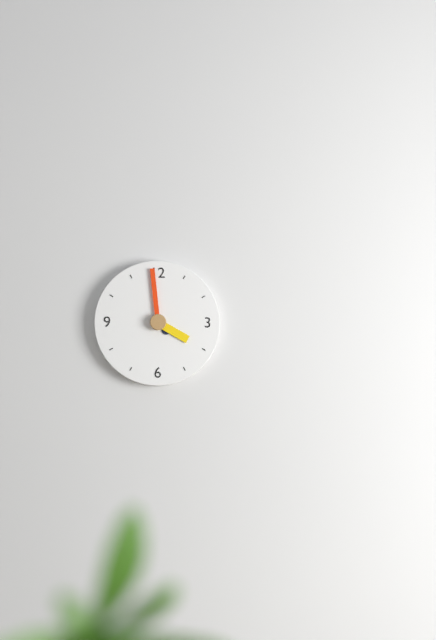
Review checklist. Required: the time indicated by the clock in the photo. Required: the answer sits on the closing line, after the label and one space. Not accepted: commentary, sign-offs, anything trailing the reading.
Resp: 3:59
